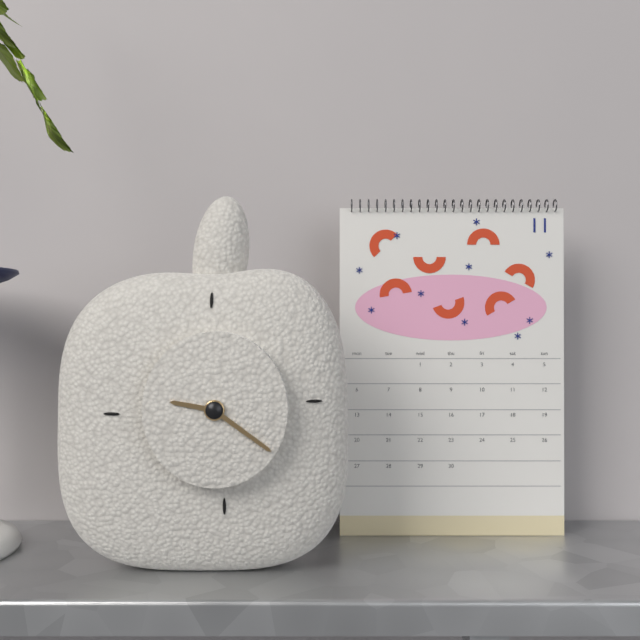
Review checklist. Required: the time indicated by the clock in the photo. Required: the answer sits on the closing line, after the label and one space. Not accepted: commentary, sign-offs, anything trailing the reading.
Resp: 9:21
